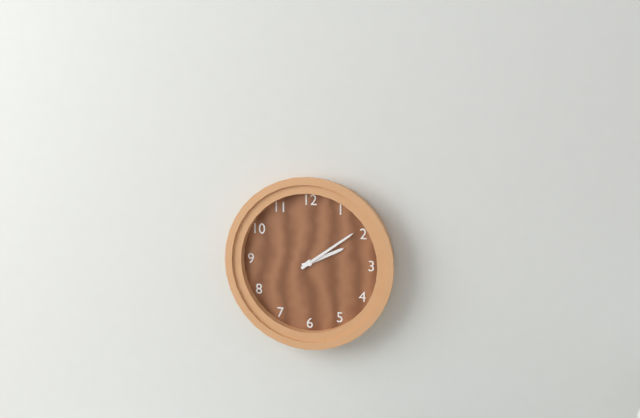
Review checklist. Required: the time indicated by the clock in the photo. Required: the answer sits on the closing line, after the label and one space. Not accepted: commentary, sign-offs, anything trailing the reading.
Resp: 2:09
